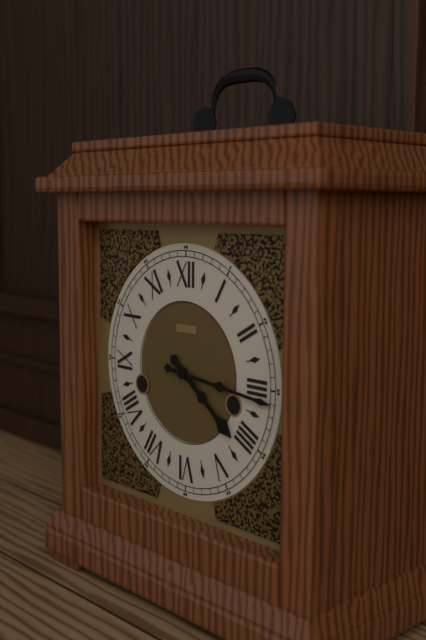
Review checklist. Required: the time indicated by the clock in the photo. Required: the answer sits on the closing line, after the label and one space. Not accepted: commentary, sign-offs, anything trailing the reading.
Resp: 4:16
